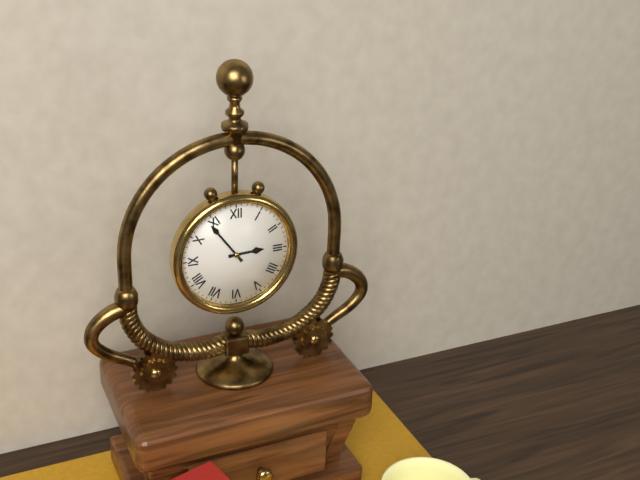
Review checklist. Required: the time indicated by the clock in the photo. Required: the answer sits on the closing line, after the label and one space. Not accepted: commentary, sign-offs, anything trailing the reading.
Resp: 2:54
